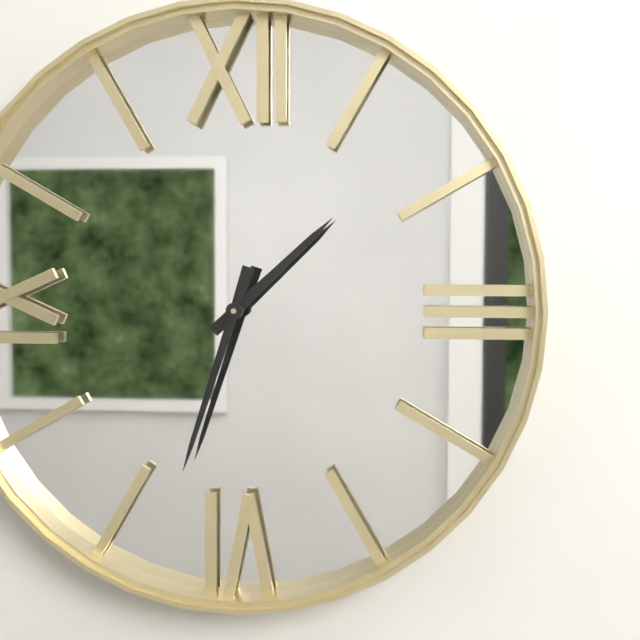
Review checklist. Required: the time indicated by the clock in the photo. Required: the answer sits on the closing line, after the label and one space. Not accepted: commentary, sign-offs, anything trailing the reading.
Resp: 1:33
